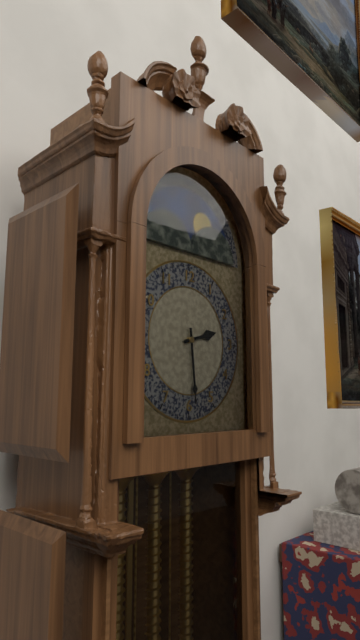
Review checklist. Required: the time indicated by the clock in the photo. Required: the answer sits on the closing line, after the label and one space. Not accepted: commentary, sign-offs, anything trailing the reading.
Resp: 2:29
